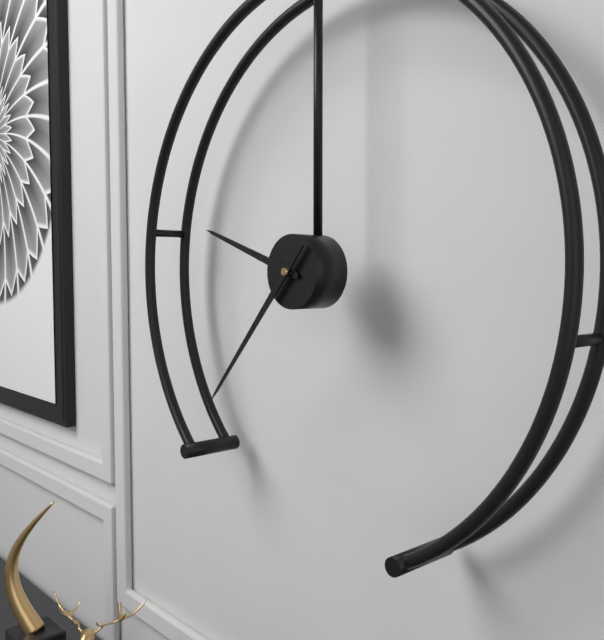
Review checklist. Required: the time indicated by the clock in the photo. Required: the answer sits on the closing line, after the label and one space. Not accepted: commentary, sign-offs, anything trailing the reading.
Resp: 9:37
